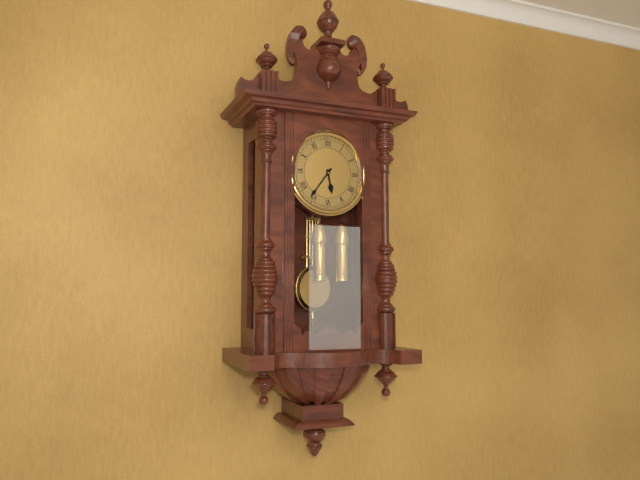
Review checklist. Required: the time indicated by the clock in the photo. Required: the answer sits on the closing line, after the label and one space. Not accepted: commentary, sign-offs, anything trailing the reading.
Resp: 5:36
